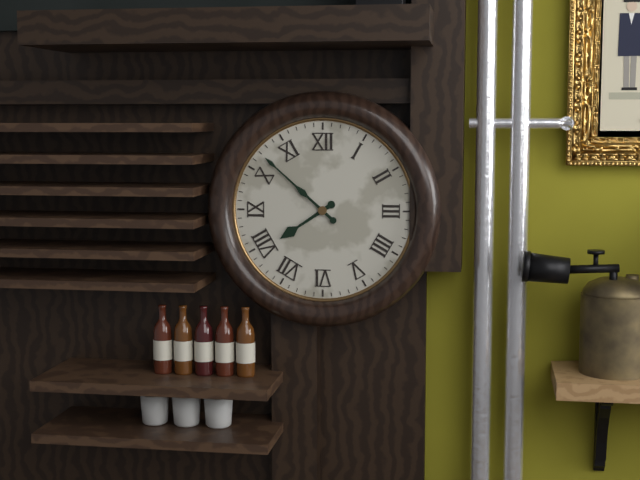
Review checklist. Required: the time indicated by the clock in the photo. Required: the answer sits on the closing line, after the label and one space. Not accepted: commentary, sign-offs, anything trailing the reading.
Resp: 7:52
